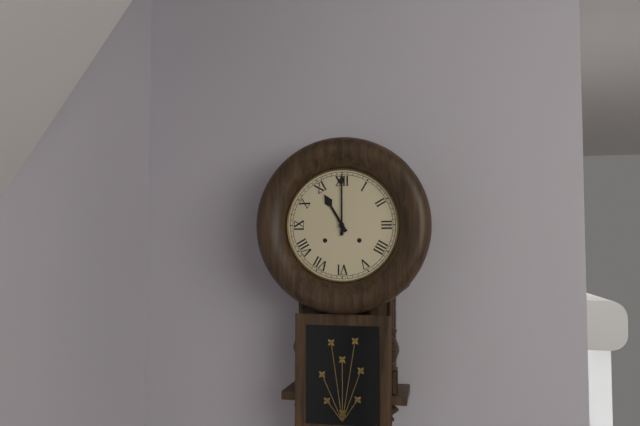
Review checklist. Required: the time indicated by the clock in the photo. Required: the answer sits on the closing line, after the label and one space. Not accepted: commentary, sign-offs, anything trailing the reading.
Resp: 11:00
